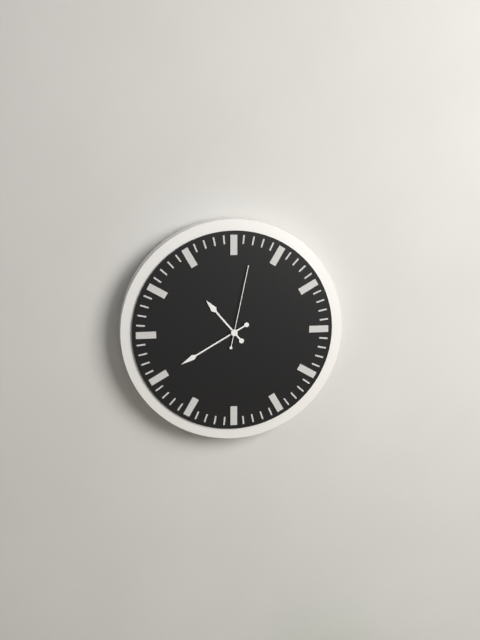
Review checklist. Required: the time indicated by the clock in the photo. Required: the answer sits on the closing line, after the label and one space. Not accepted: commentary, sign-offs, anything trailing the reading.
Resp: 10:40:02
